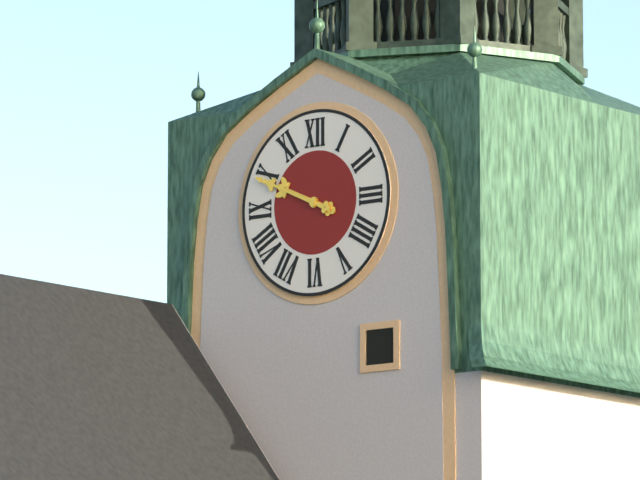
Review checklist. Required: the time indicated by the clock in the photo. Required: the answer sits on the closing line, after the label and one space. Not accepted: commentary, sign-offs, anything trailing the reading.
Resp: 9:49
